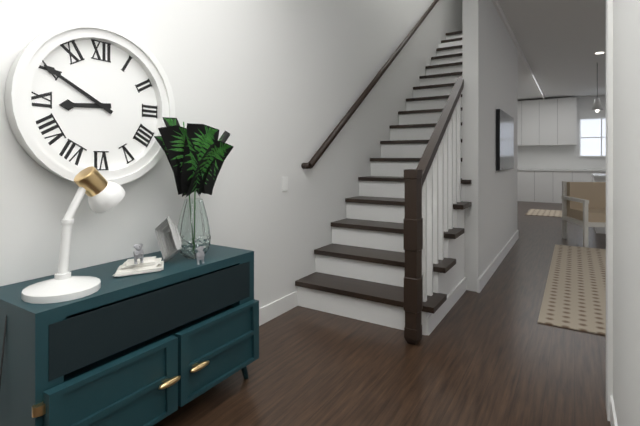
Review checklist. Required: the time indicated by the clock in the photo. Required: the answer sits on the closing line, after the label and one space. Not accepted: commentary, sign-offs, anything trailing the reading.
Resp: 8:50
